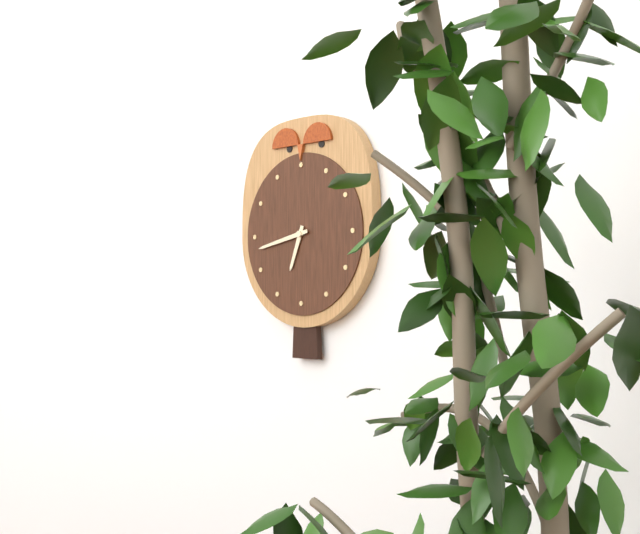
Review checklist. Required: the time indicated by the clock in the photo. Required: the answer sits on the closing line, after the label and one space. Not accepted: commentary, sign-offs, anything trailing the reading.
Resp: 6:43
